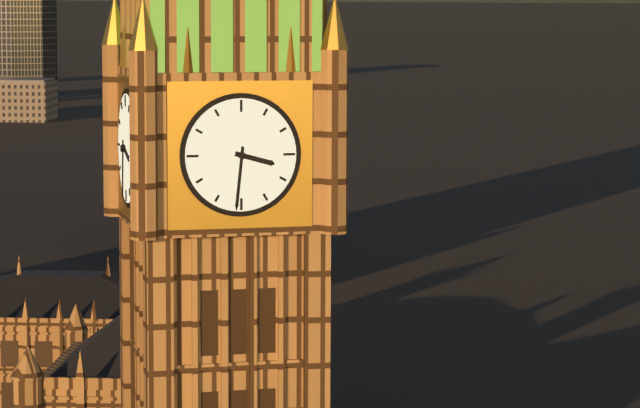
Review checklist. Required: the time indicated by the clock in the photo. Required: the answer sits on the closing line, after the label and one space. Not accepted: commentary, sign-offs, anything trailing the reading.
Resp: 3:31
